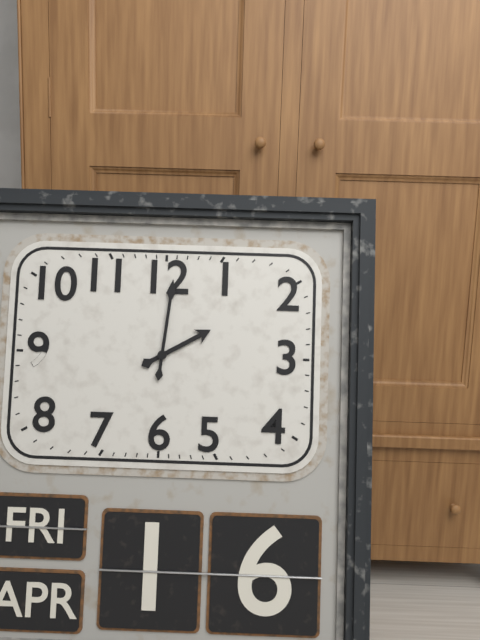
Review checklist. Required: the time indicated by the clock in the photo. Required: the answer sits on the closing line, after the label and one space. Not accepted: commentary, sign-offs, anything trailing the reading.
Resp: 2:01
